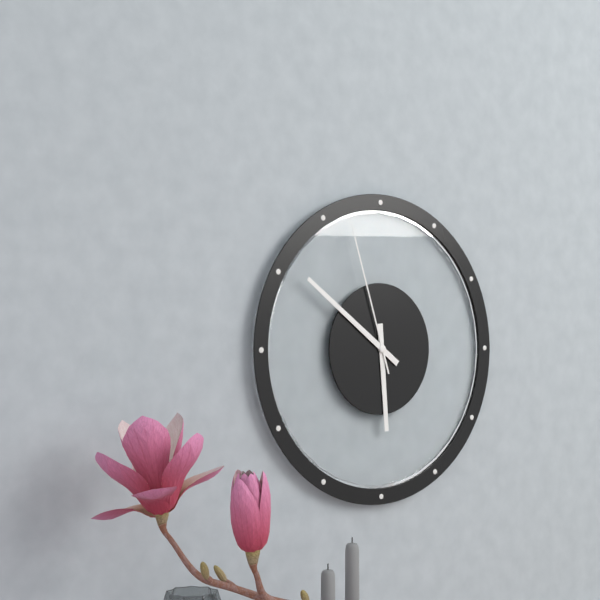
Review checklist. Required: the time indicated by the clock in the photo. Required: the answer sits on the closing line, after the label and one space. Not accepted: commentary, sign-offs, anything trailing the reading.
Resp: 5:51:57
